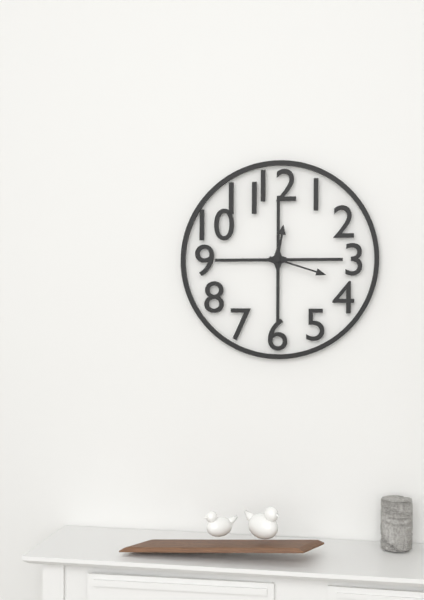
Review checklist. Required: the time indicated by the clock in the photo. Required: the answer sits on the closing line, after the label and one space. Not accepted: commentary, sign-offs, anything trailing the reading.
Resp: 12:18
